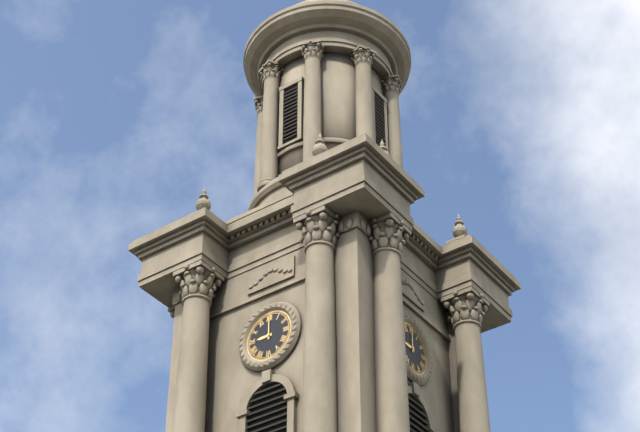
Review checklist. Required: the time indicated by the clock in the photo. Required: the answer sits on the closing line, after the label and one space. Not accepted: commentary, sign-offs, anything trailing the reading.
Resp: 9:00
